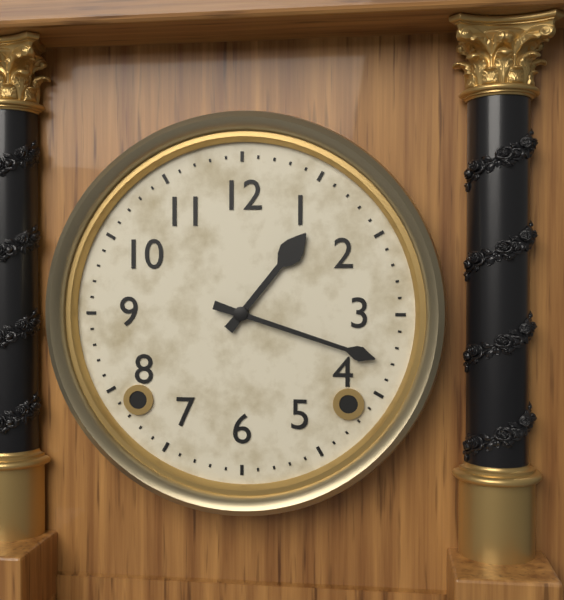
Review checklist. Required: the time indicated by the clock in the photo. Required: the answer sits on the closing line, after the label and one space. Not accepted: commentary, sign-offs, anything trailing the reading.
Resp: 1:18
